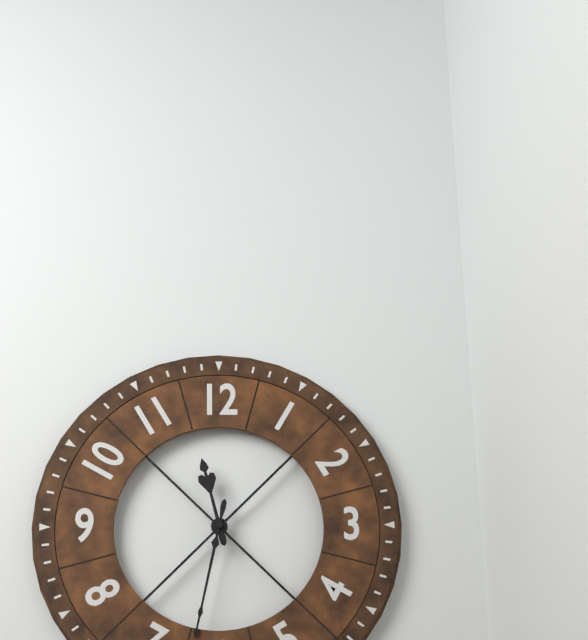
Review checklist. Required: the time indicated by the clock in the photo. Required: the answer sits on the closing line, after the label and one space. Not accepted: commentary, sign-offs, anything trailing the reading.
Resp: 11:32
